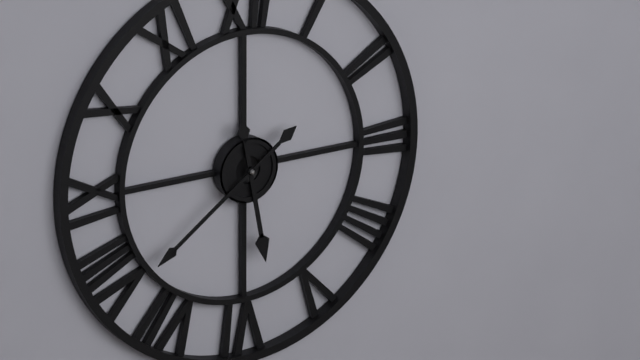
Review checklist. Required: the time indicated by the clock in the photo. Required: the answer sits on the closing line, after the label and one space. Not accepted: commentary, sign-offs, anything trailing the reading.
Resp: 5:39
